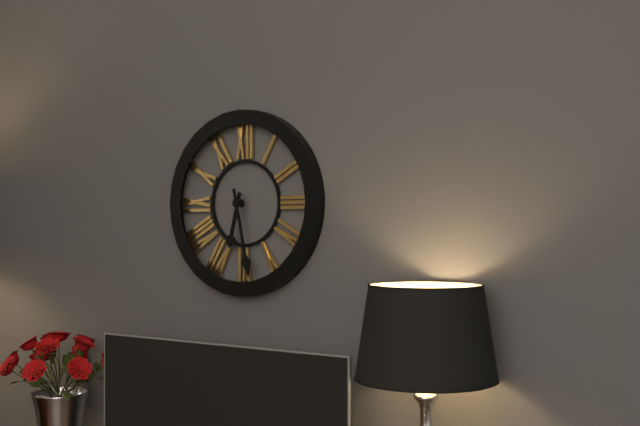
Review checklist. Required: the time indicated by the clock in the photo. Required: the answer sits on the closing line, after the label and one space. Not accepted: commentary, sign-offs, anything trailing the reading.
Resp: 6:28
